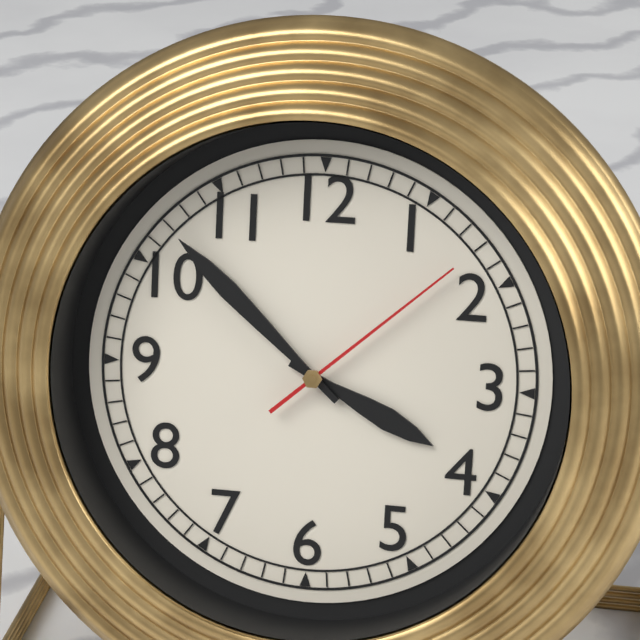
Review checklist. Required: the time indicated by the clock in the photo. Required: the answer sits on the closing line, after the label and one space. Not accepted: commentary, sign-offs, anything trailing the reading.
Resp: 3:52:08
